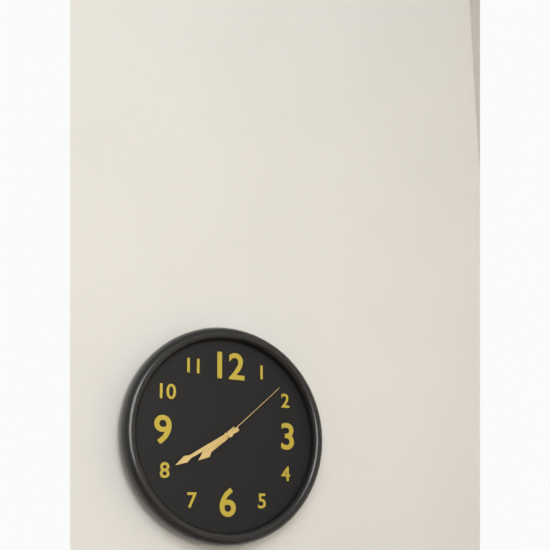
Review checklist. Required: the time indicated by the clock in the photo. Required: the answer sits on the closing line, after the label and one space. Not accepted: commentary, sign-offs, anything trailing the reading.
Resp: 7:40:08
